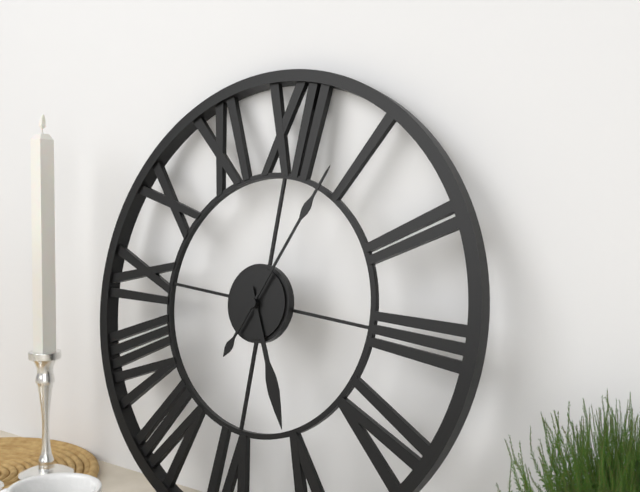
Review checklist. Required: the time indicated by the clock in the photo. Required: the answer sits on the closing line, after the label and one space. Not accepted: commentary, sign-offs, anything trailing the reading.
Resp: 5:04
